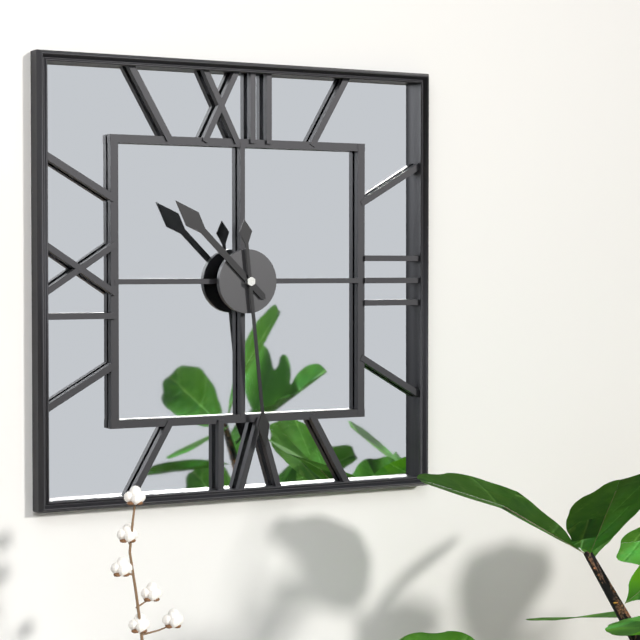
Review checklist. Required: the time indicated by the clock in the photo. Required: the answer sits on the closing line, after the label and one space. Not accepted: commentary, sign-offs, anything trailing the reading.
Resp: 10:29
